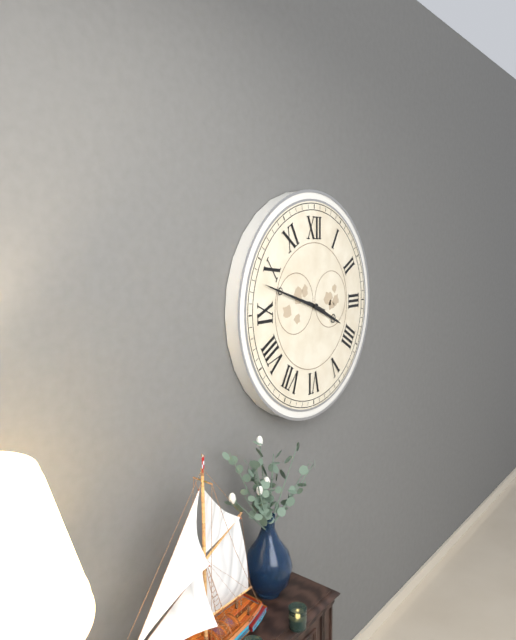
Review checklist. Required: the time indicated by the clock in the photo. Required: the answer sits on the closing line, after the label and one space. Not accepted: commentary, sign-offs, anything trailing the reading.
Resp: 3:48
